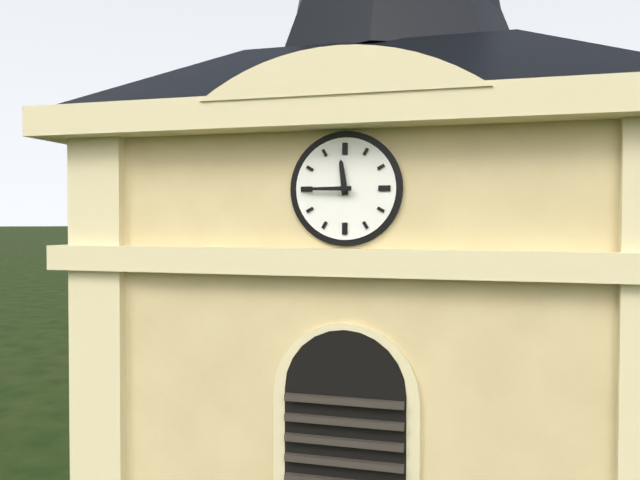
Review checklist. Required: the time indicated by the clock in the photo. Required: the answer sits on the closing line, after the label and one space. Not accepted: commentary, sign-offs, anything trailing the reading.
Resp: 11:45
